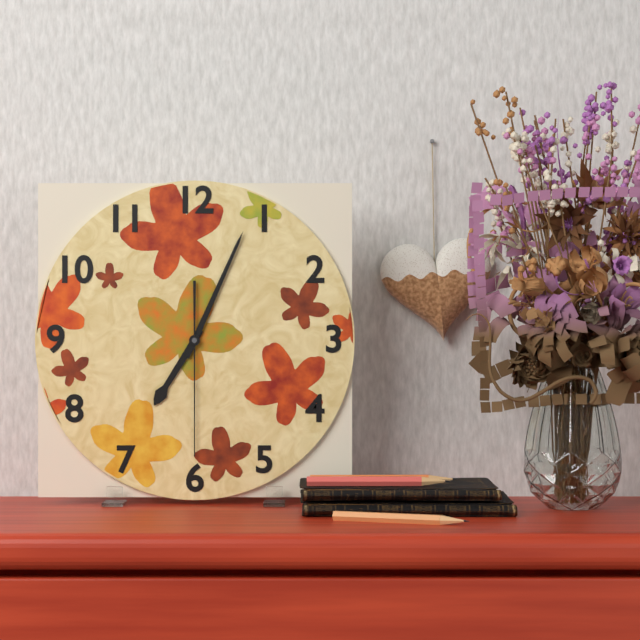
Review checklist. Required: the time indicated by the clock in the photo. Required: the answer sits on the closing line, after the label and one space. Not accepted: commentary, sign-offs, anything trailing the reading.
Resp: 7:04:30
